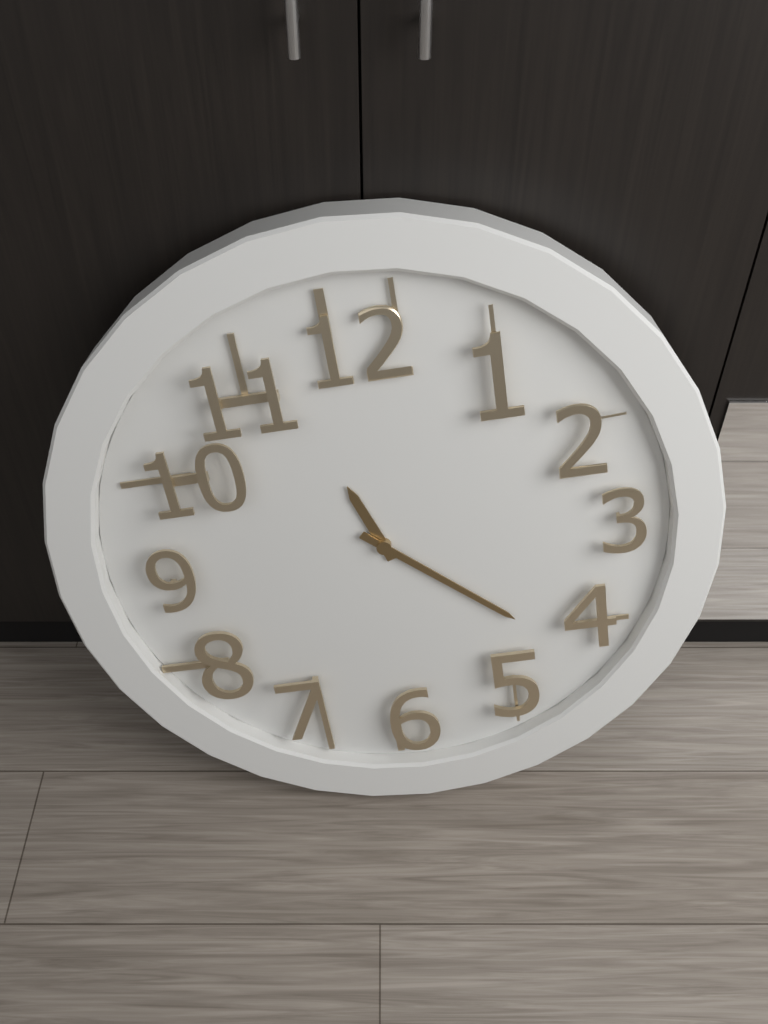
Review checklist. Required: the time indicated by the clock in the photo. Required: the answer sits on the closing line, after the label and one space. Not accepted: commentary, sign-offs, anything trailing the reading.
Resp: 11:22
